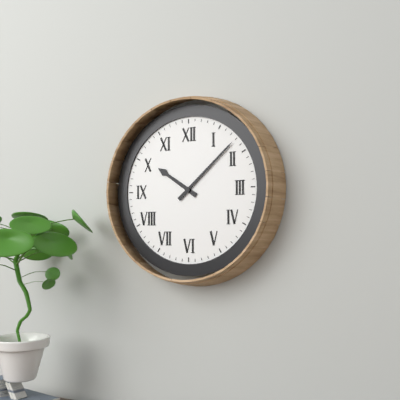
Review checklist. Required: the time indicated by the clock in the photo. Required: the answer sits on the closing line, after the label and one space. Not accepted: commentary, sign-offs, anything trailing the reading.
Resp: 10:08
